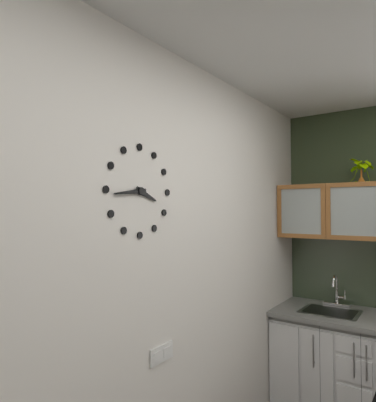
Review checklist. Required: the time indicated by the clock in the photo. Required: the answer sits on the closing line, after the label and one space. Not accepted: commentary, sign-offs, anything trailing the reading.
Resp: 3:44
